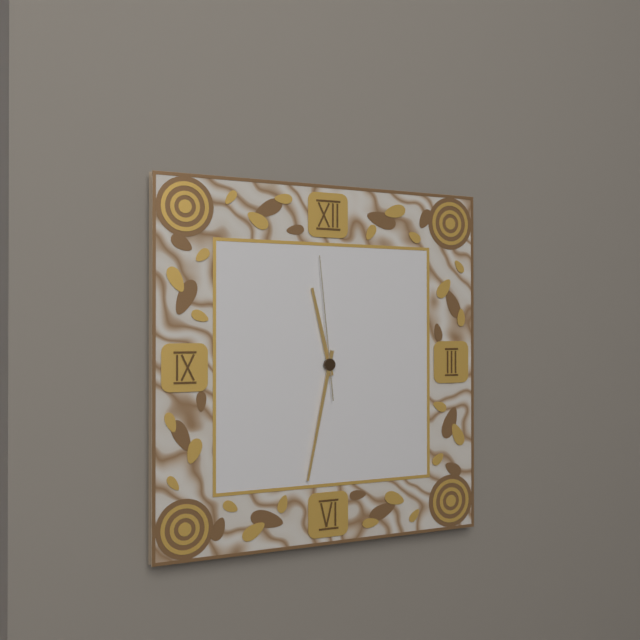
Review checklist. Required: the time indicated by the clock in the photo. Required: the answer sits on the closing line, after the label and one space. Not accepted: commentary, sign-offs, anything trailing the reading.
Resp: 11:32:59
